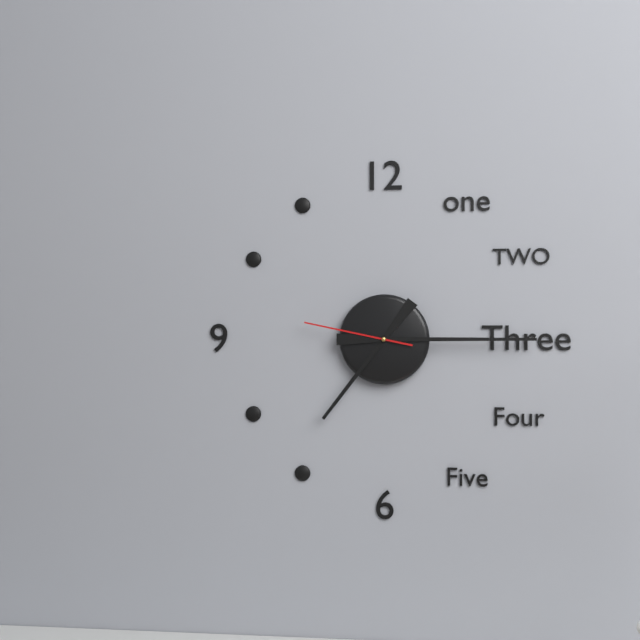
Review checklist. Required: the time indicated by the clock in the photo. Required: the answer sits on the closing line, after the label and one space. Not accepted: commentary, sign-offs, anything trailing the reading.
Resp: 7:15:47
